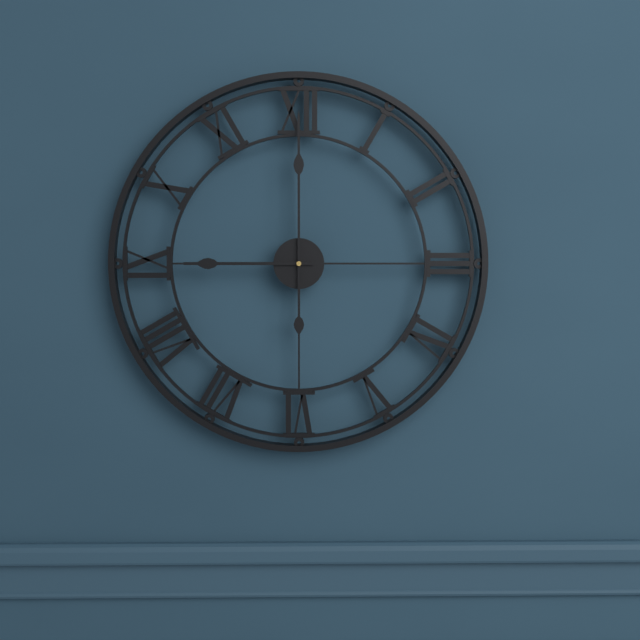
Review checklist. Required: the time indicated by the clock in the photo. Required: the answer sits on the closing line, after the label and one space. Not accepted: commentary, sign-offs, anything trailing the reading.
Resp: 9:00
